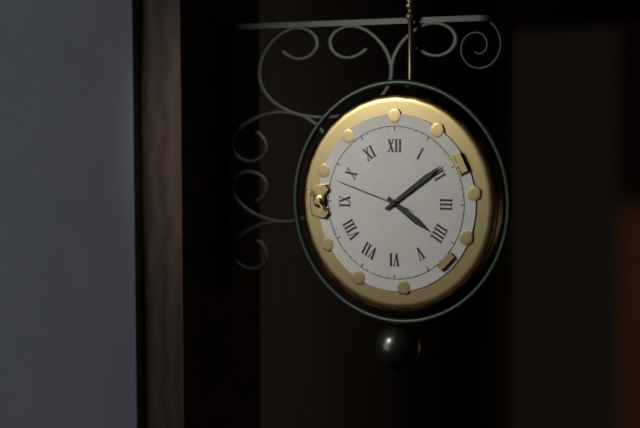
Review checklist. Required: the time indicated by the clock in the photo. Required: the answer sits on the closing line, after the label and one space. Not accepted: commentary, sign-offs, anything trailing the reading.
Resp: 4:09:48
